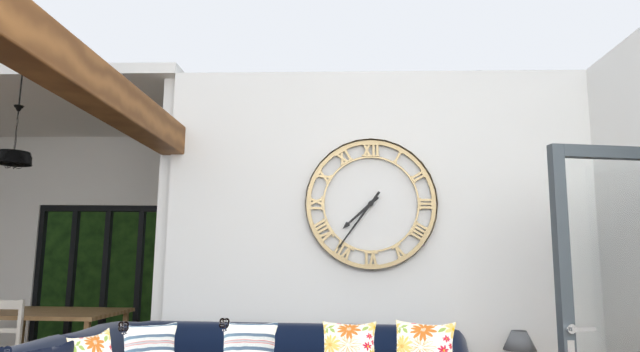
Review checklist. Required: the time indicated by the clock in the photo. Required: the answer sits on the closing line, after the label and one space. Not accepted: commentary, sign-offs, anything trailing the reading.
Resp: 7:36
